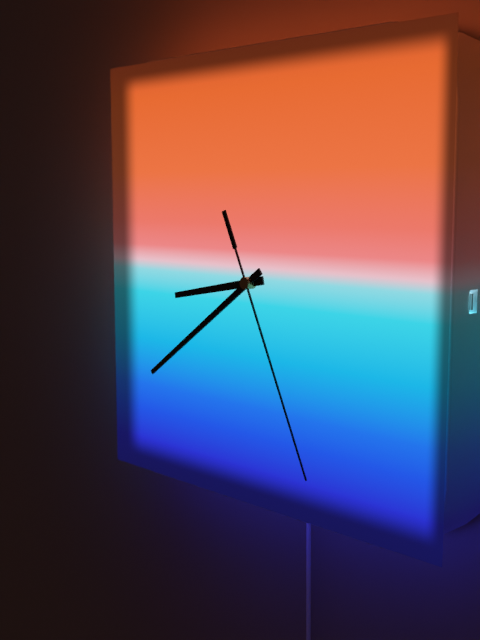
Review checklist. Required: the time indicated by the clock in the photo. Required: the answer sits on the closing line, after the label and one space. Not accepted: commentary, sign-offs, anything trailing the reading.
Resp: 8:39:26
